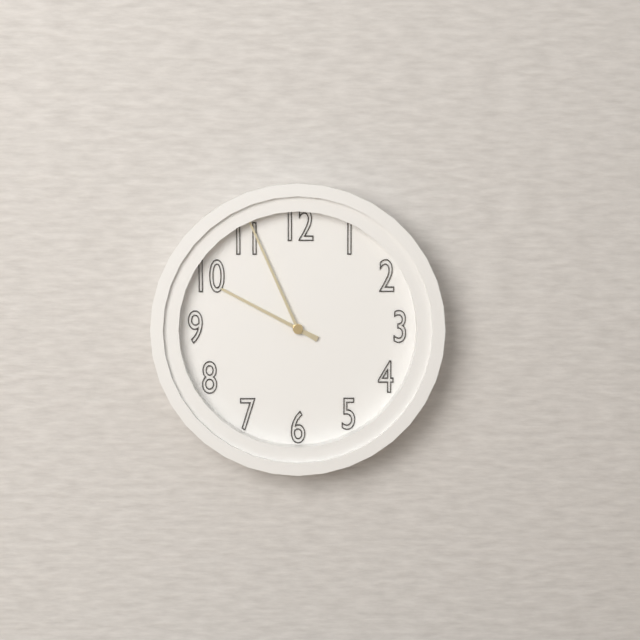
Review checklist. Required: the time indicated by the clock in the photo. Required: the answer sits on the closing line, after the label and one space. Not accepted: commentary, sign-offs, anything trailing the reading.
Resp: 9:56
